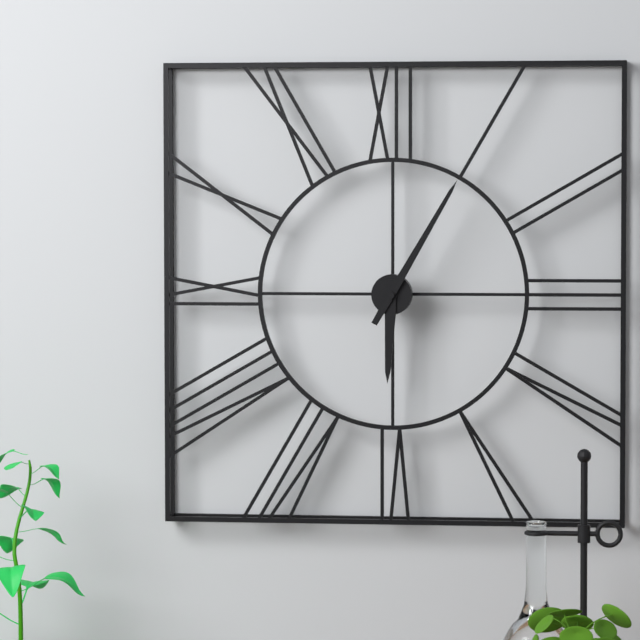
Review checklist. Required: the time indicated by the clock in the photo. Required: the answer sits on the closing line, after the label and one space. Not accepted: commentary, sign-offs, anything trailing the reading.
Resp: 6:05
